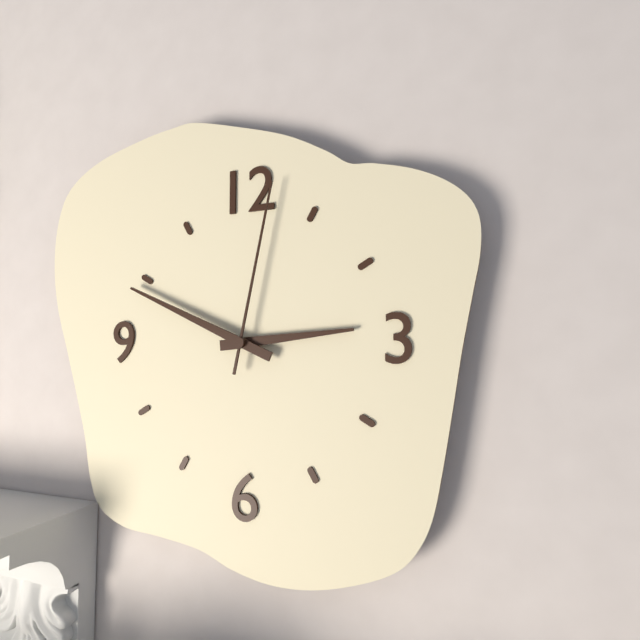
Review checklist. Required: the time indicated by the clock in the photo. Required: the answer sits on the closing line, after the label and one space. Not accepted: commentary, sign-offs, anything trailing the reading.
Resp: 2:49:02
